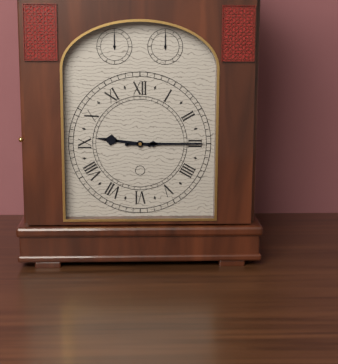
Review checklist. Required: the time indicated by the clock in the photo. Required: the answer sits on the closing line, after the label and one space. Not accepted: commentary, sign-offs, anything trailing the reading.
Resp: 9:15
